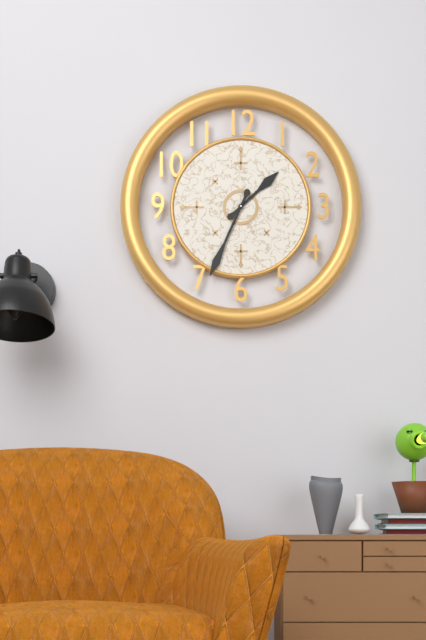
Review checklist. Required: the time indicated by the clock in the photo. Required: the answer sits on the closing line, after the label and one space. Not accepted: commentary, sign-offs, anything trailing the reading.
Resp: 1:34
